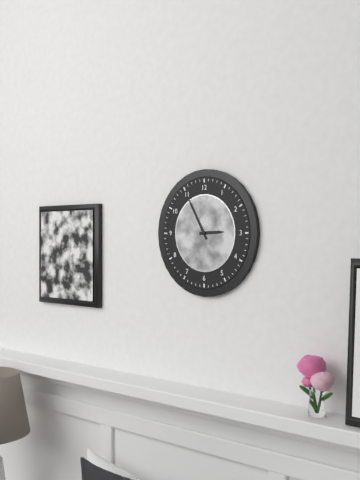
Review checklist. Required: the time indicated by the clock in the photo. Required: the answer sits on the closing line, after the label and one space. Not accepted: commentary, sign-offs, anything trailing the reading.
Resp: 2:55
